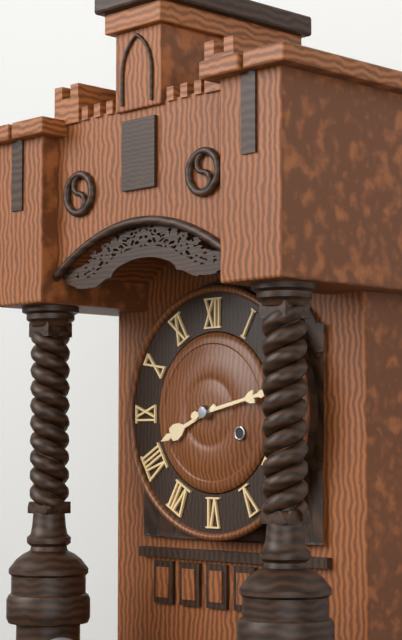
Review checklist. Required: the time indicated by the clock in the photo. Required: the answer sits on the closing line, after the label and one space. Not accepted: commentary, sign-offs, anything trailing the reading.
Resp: 8:13
